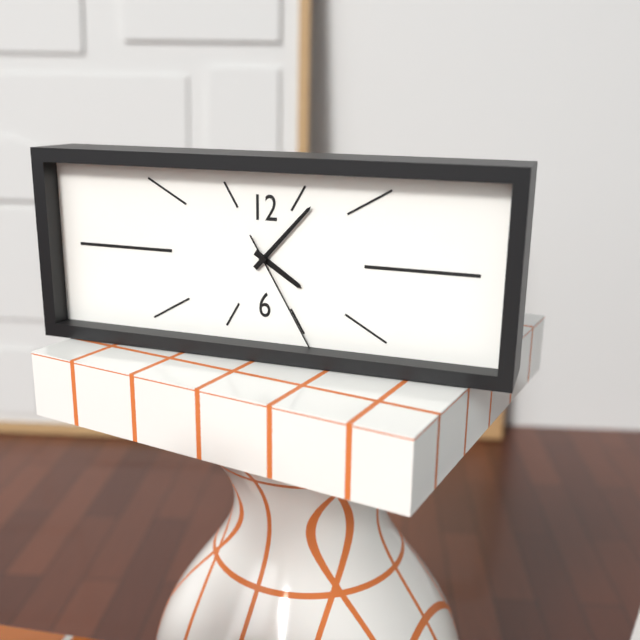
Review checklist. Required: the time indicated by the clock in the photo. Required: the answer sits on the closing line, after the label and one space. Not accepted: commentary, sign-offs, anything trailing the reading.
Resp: 4:07:25
